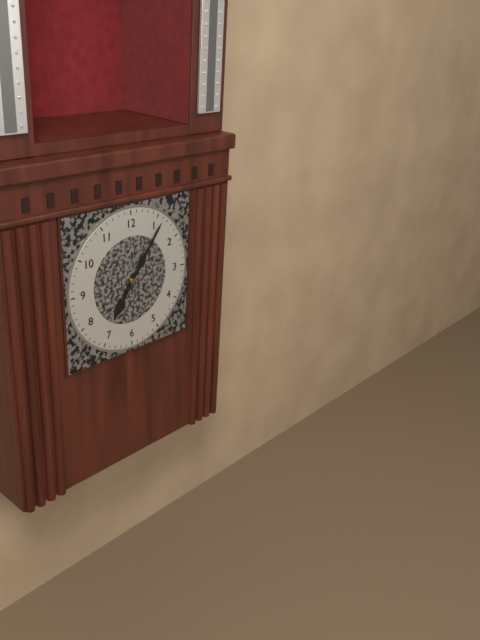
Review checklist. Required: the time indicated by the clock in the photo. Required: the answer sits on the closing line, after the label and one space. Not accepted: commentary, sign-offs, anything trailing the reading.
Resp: 7:06
